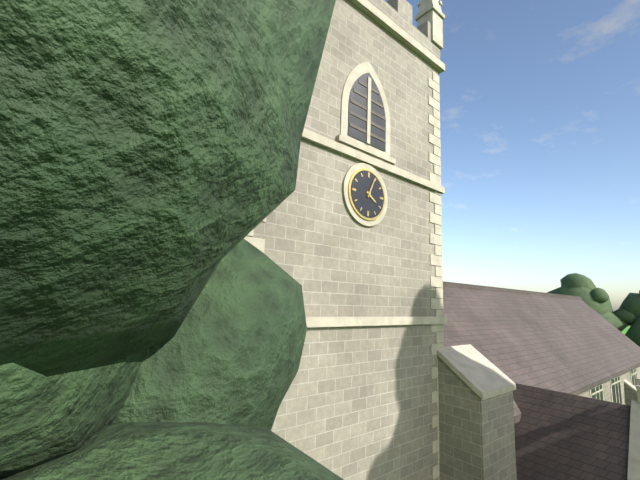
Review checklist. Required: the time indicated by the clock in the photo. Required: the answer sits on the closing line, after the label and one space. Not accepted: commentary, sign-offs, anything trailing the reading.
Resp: 4:04
